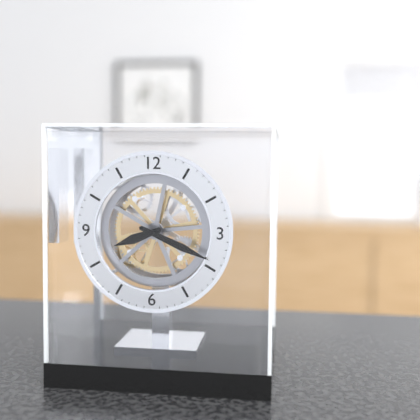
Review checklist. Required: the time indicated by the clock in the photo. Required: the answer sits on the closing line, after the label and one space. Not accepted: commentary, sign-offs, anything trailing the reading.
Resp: 8:19
